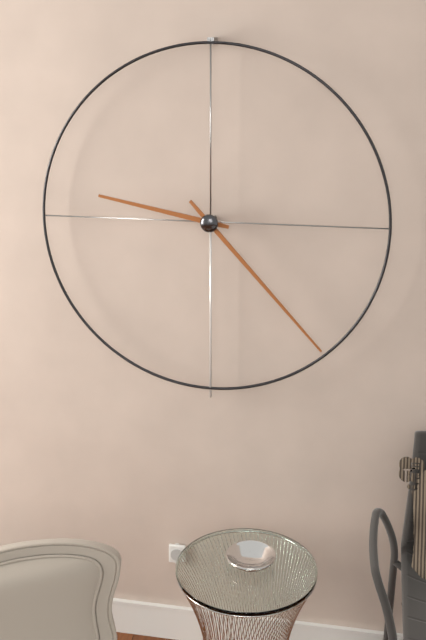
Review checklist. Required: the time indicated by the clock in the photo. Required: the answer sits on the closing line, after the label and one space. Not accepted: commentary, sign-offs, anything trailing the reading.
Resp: 9:23
